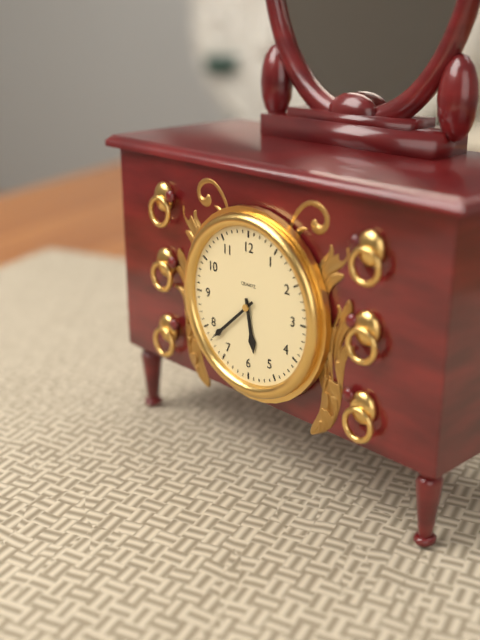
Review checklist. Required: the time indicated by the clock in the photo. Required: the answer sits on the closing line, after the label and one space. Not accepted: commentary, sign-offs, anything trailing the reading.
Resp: 5:38
